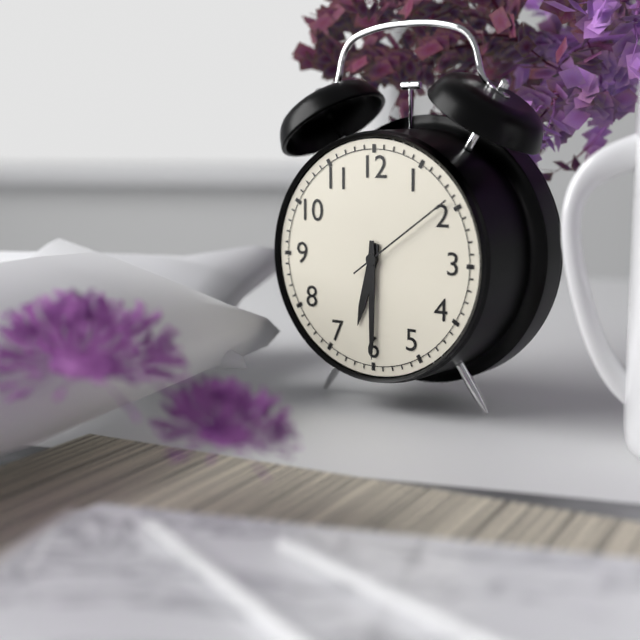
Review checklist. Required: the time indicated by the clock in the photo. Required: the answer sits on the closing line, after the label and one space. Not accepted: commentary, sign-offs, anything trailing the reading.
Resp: 6:30:09
